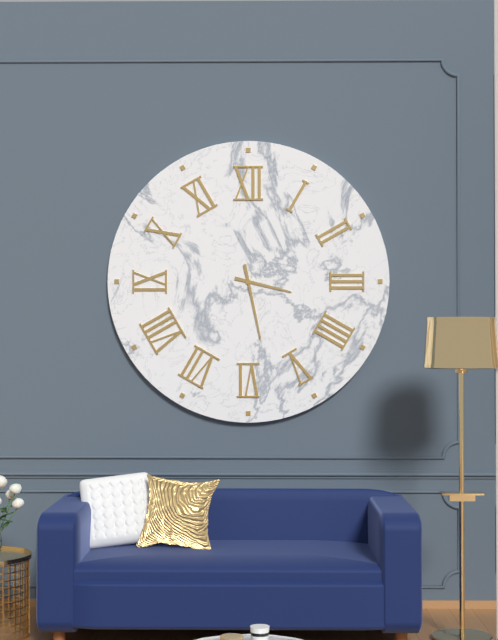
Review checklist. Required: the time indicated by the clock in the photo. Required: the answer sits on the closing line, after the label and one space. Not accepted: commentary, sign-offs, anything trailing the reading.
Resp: 3:28
